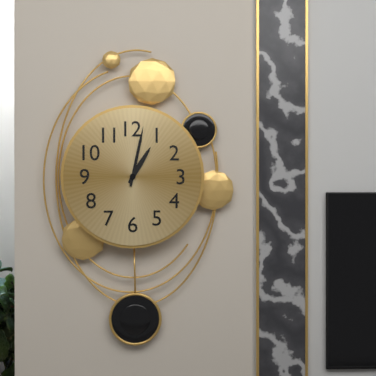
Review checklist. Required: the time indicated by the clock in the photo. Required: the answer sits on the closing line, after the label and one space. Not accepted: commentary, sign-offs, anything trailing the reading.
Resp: 1:02
